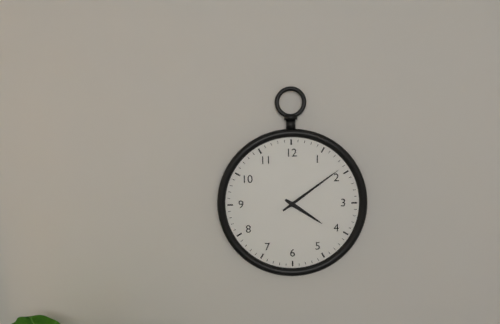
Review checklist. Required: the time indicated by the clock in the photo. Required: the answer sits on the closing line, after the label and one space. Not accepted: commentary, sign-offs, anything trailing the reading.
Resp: 4:09
